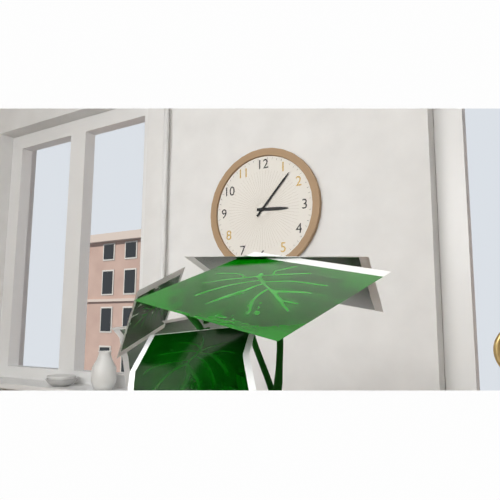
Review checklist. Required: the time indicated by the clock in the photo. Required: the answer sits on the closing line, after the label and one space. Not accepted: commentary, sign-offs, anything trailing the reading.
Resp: 3:07
